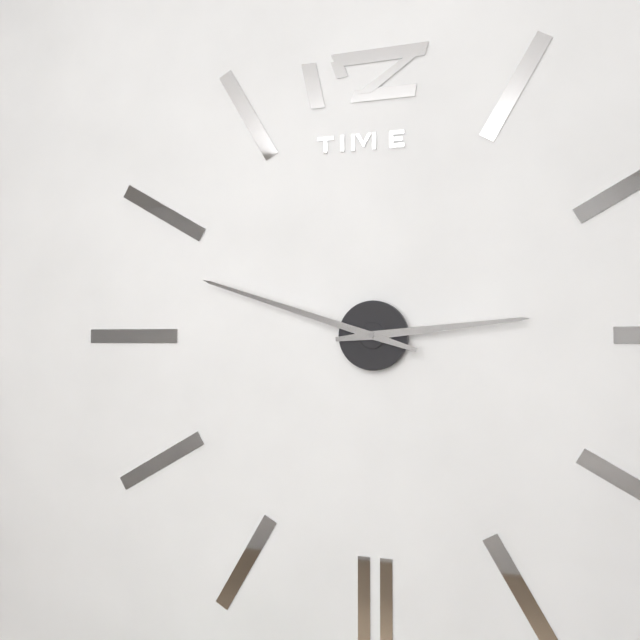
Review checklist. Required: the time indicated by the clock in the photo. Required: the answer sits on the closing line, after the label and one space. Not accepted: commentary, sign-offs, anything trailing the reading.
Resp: 2:48
